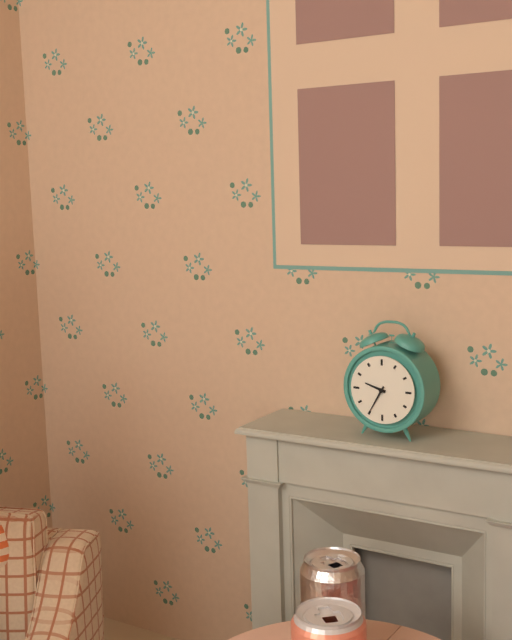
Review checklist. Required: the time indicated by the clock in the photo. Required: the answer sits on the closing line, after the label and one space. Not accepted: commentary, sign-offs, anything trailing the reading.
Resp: 9:35
